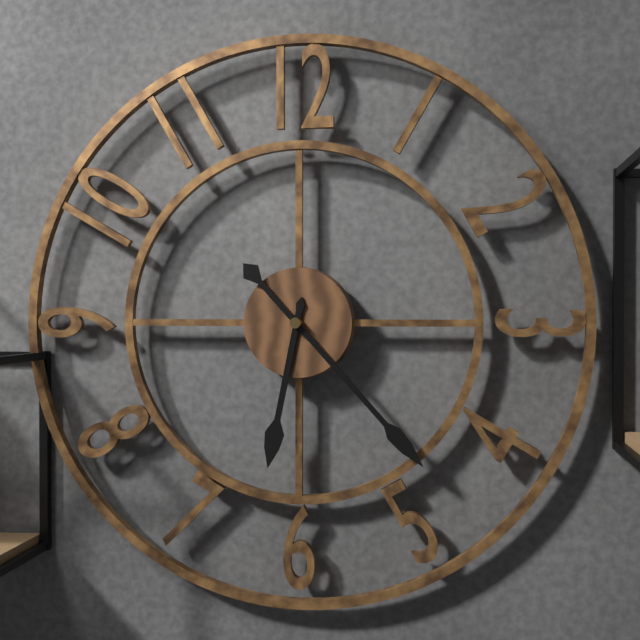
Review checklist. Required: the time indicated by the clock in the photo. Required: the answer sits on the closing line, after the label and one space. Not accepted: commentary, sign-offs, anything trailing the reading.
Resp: 6:23
